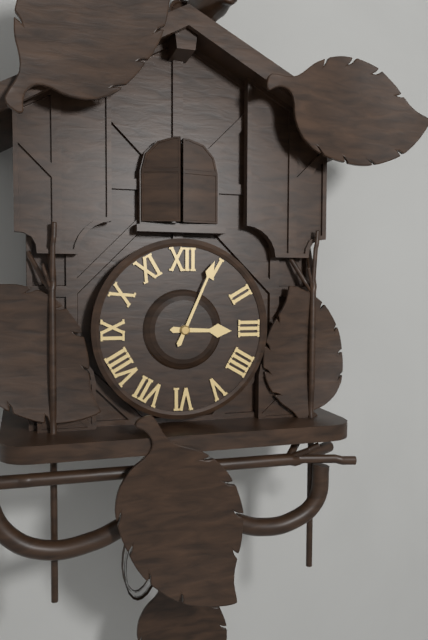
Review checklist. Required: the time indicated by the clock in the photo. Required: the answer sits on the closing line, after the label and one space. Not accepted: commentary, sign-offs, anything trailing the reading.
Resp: 3:04
